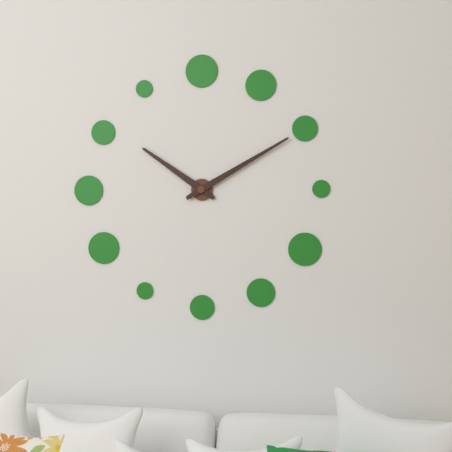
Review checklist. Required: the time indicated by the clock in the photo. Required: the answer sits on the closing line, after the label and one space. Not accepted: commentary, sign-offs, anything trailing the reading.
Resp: 10:10
